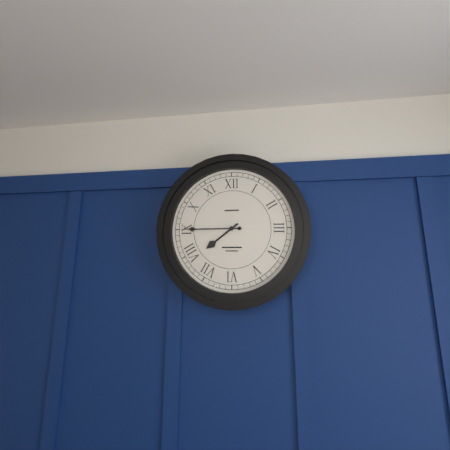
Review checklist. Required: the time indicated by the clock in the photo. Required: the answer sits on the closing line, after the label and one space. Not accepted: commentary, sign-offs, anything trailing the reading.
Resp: 7:45
